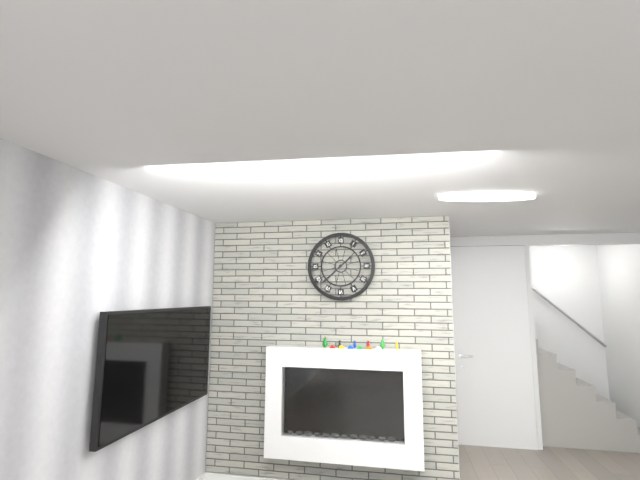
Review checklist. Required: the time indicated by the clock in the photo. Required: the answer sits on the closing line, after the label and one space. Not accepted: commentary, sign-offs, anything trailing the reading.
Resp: 1:38
